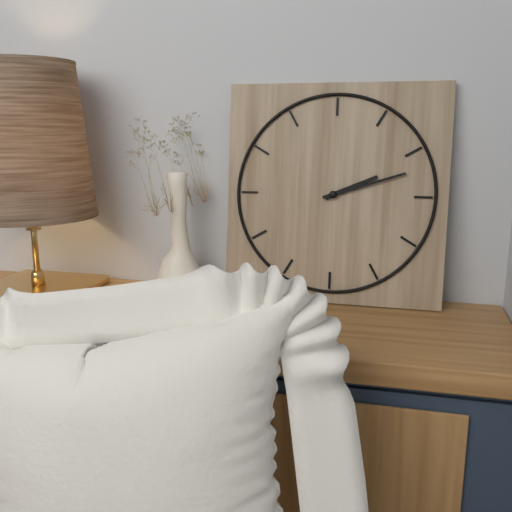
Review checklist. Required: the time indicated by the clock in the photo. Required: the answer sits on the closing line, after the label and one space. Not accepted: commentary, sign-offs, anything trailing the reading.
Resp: 2:12
